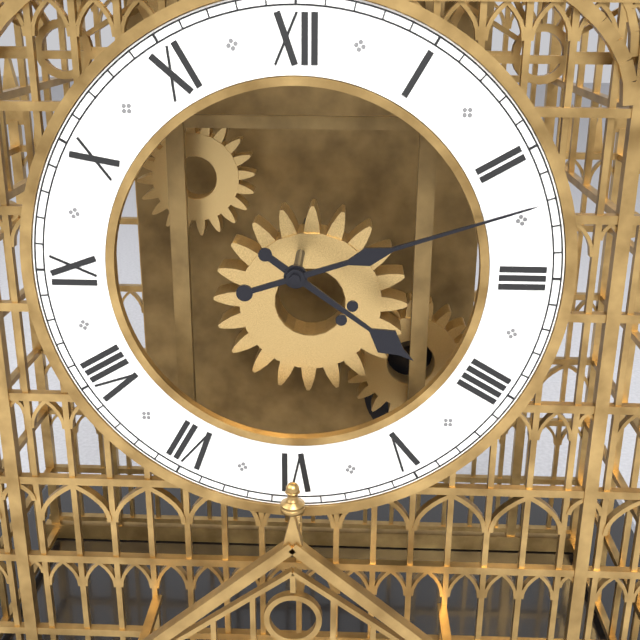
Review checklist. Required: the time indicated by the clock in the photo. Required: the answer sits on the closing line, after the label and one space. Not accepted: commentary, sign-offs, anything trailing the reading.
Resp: 4:12
